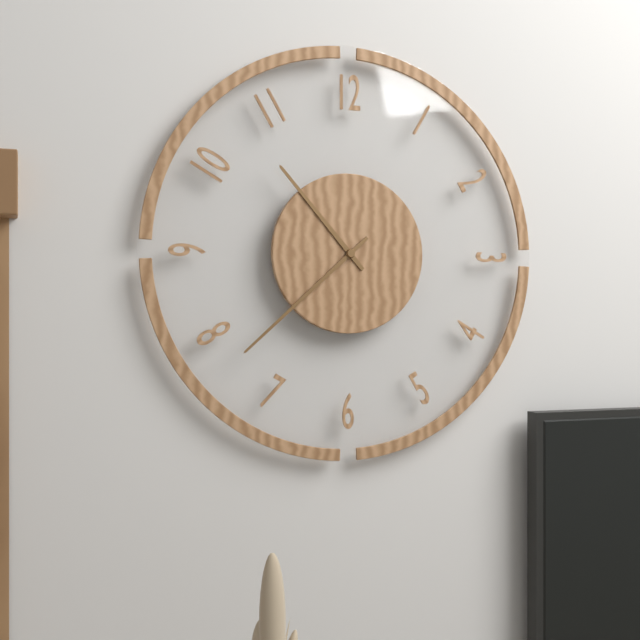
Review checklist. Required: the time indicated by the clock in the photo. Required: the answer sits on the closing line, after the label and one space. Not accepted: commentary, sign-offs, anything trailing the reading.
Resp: 10:38
